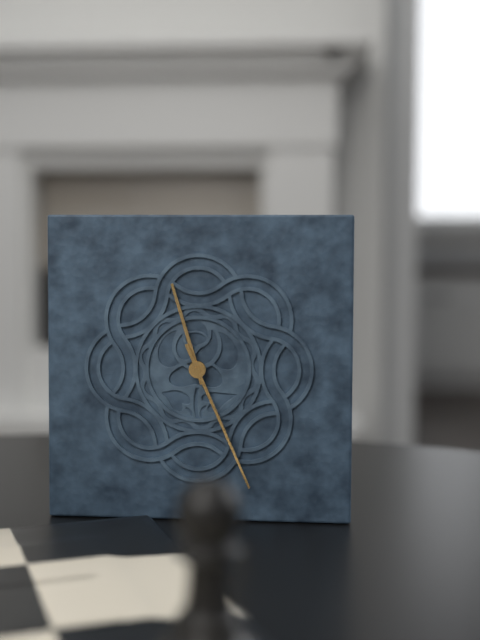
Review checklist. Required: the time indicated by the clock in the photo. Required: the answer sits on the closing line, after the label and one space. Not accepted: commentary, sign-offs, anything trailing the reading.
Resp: 11:26
